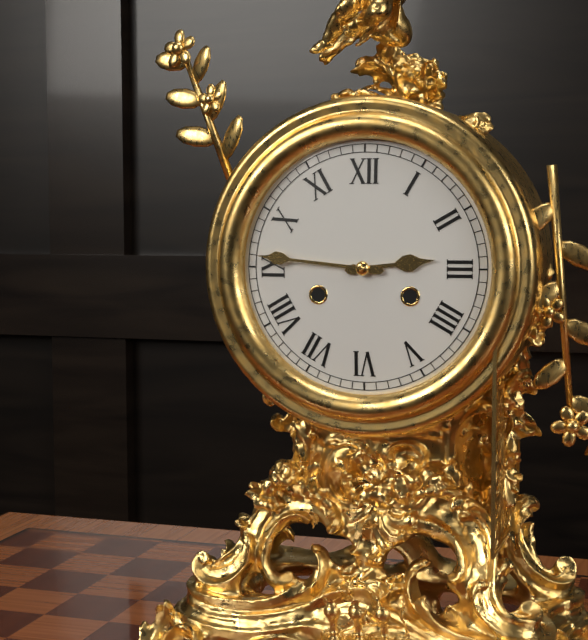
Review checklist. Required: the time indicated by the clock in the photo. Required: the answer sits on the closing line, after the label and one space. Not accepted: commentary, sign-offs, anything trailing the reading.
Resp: 2:46
